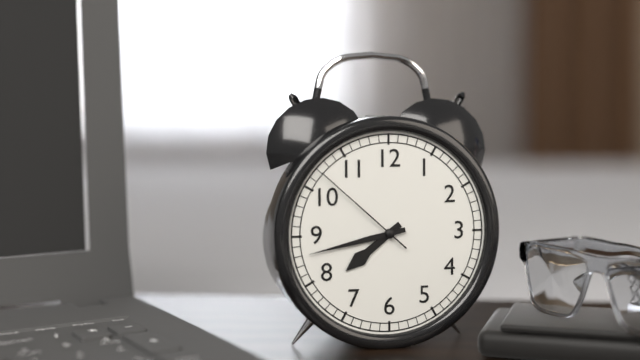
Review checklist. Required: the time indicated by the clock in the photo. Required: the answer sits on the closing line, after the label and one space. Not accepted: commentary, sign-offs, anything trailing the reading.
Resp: 7:43:52
